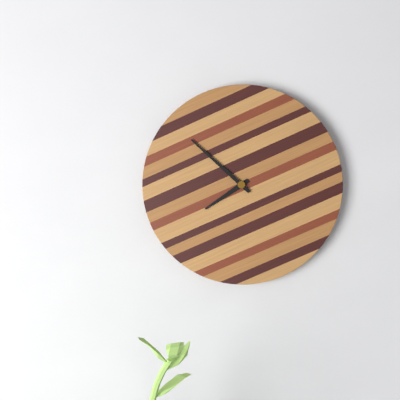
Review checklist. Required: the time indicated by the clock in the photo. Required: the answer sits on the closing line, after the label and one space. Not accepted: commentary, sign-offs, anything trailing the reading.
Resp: 7:52
